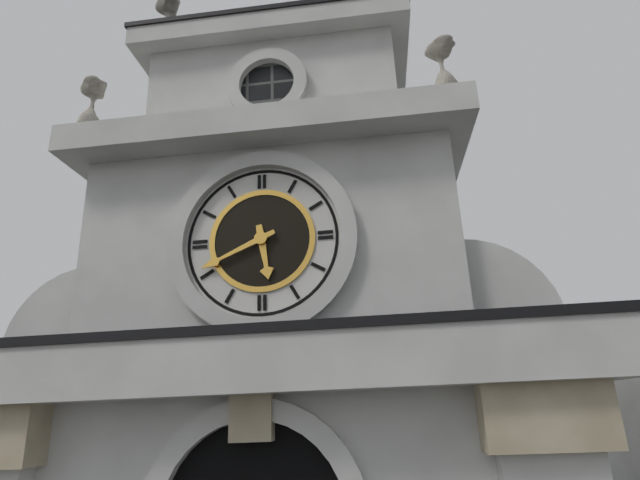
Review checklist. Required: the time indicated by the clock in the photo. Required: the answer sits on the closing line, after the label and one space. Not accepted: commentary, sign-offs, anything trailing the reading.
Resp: 5:41
